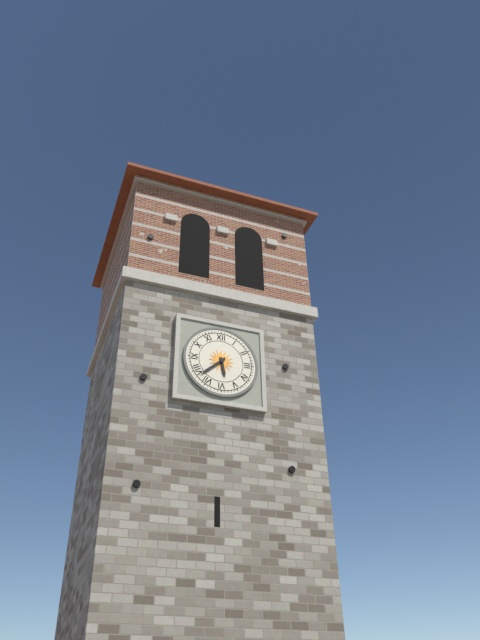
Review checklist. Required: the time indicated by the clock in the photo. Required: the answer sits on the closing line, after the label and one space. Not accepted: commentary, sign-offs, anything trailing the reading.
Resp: 5:38
